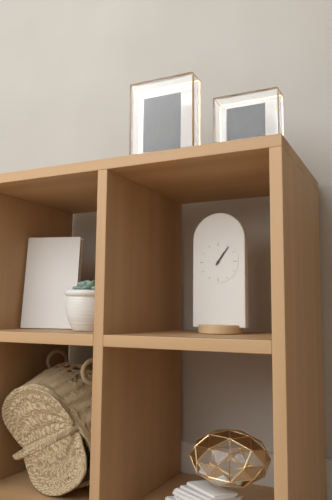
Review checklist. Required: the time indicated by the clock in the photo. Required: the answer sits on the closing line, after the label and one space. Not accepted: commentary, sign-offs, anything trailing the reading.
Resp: 1:06
